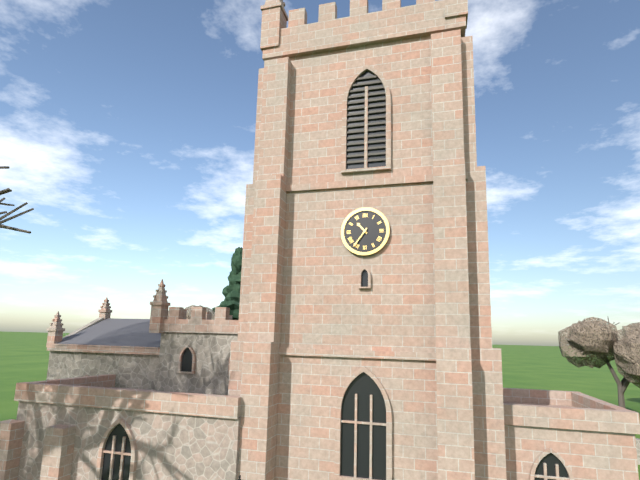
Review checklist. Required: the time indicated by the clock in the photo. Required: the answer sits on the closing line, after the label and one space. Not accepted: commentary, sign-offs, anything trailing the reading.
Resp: 10:36
